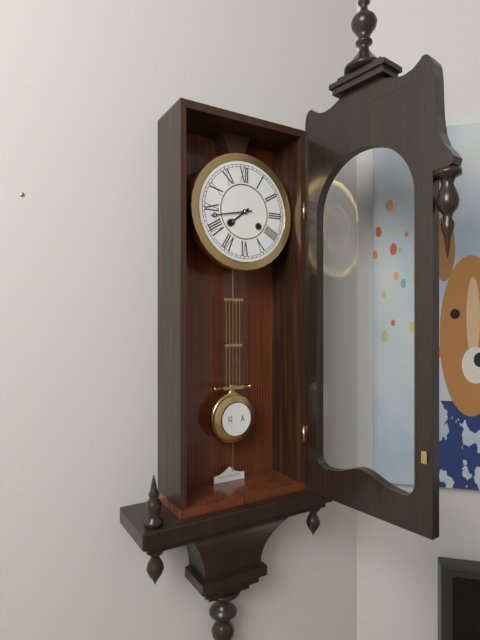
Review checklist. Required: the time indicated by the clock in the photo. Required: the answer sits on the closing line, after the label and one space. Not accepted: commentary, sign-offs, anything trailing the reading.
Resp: 7:43
